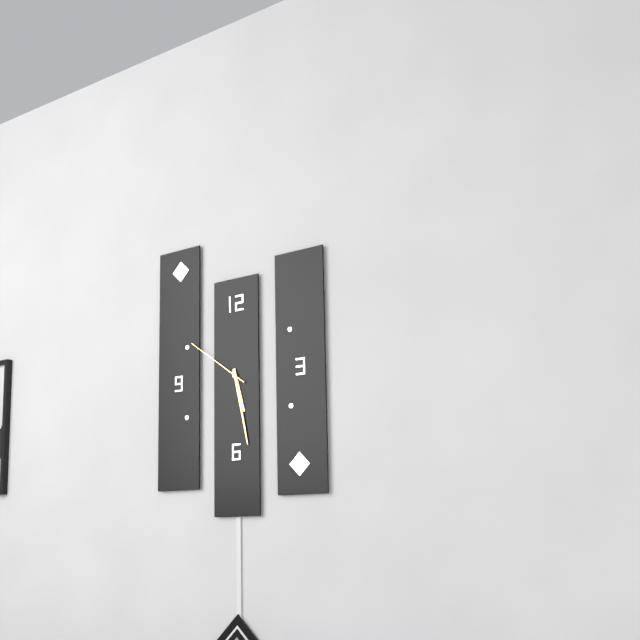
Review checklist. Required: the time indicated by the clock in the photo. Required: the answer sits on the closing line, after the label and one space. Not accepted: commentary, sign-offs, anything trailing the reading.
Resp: 5:28:51
